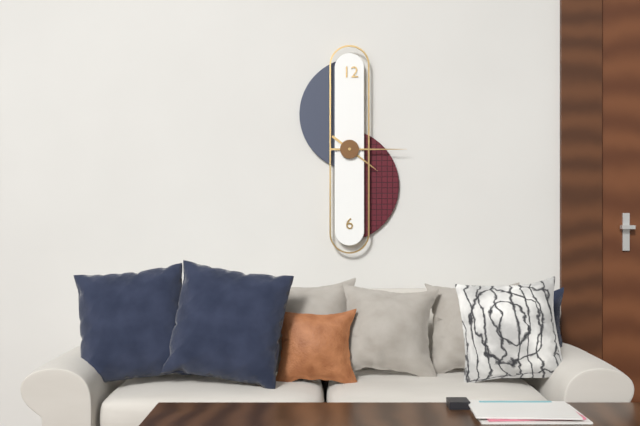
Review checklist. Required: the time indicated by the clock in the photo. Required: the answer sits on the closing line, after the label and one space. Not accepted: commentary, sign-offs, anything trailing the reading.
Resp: 4:15
